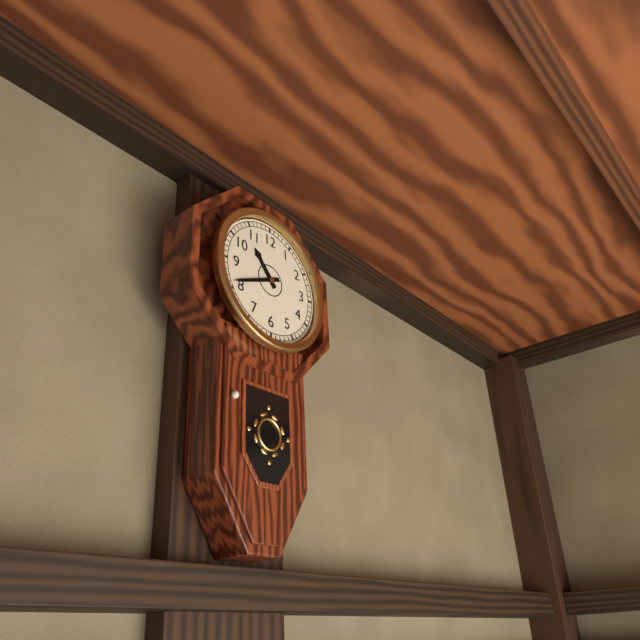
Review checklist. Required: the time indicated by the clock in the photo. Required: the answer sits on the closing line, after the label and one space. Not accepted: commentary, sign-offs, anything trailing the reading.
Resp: 10:41
